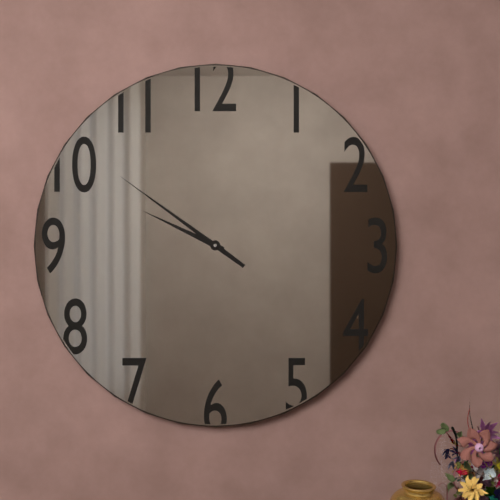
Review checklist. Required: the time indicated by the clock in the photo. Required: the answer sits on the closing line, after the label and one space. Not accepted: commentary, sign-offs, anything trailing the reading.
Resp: 9:51
